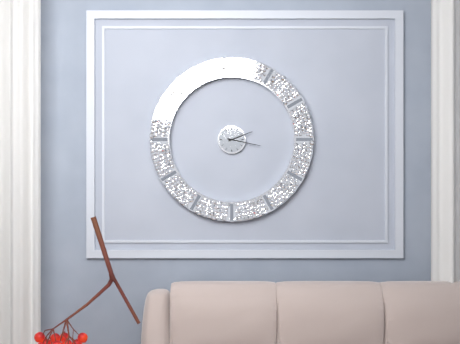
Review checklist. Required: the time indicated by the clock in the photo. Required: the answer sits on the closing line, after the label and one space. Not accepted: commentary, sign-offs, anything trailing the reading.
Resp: 2:17
